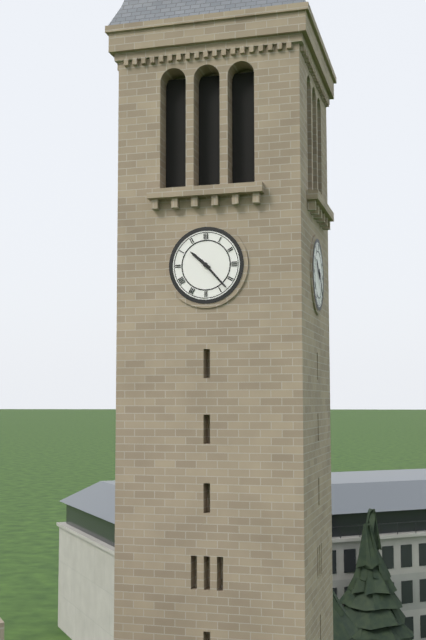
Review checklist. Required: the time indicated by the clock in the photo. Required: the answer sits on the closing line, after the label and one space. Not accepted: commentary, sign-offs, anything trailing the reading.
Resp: 10:23
